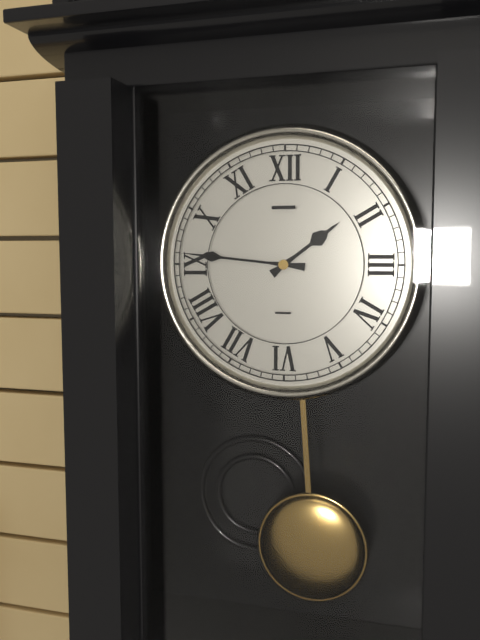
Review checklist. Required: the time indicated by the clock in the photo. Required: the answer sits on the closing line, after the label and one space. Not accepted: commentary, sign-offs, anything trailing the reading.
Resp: 1:46
